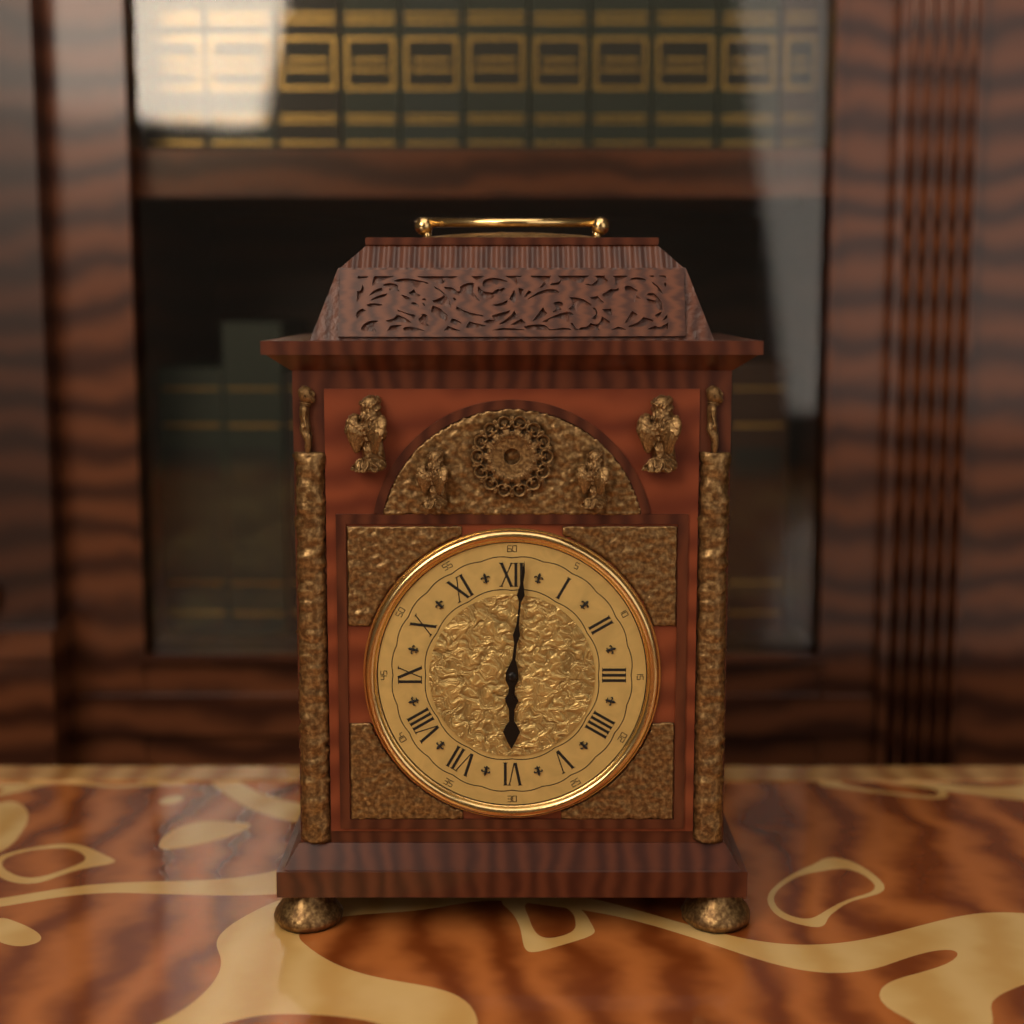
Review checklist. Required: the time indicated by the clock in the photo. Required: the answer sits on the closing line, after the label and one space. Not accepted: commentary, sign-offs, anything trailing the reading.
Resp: 6:01
